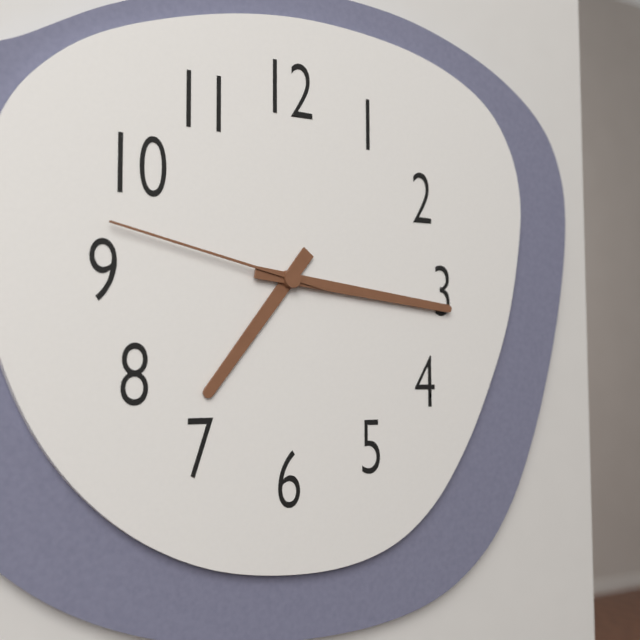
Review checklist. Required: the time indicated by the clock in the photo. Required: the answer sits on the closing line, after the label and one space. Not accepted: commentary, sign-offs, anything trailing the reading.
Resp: 7:16:47
